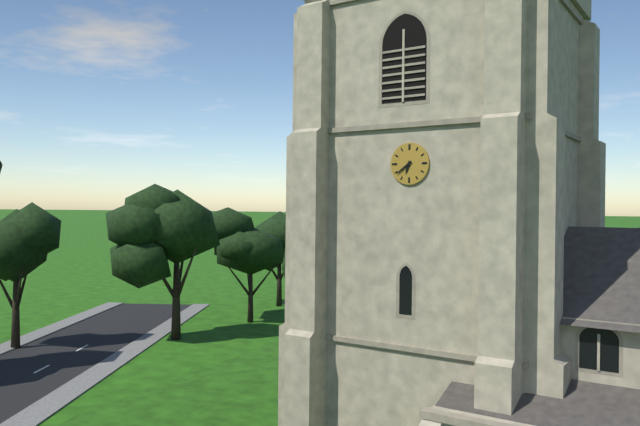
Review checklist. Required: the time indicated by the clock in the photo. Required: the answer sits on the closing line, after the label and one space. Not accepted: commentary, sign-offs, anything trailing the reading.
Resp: 6:39
